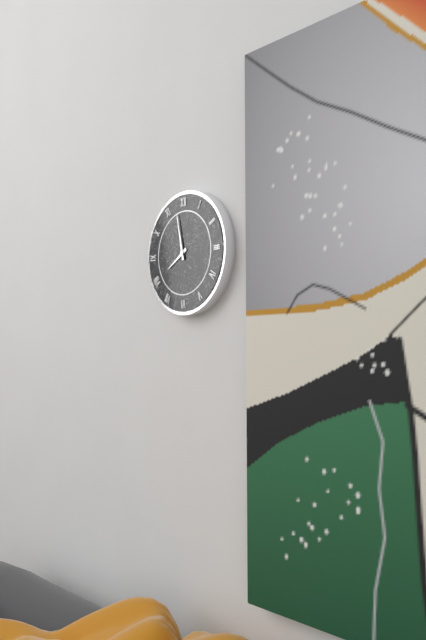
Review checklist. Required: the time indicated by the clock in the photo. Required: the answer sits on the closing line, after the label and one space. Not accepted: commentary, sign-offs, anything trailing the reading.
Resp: 7:58
